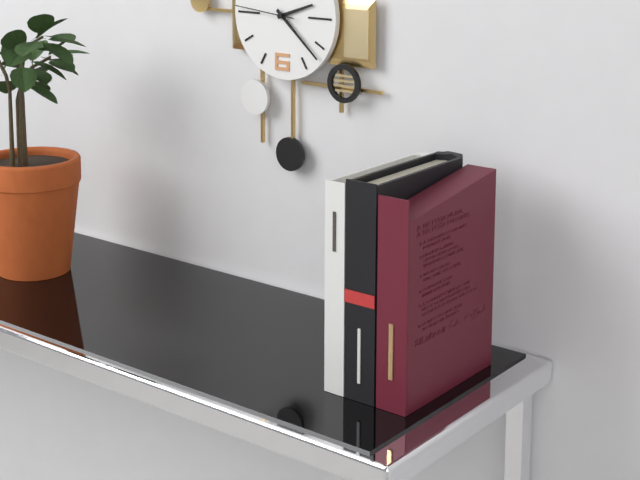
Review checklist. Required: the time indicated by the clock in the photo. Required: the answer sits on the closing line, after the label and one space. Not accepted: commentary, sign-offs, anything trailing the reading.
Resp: 2:22:46
